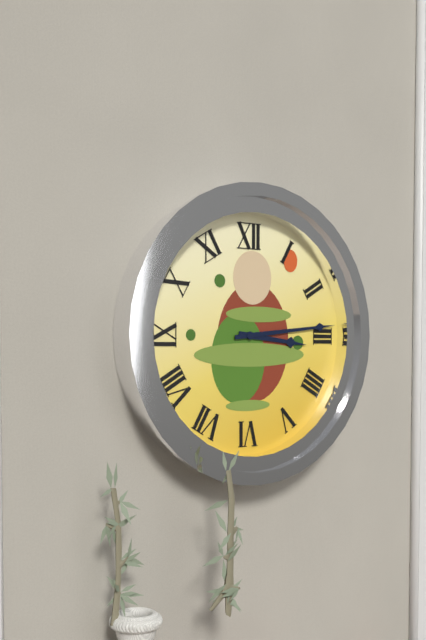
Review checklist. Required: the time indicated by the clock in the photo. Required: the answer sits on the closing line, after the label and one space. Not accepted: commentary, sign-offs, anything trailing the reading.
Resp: 3:14
